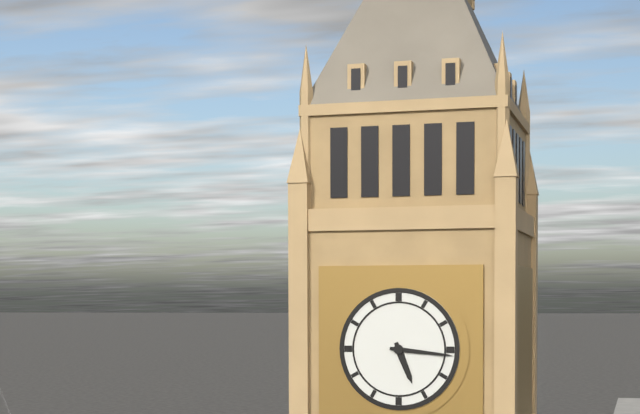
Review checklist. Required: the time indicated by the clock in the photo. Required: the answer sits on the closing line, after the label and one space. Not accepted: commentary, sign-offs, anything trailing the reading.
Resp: 5:16
